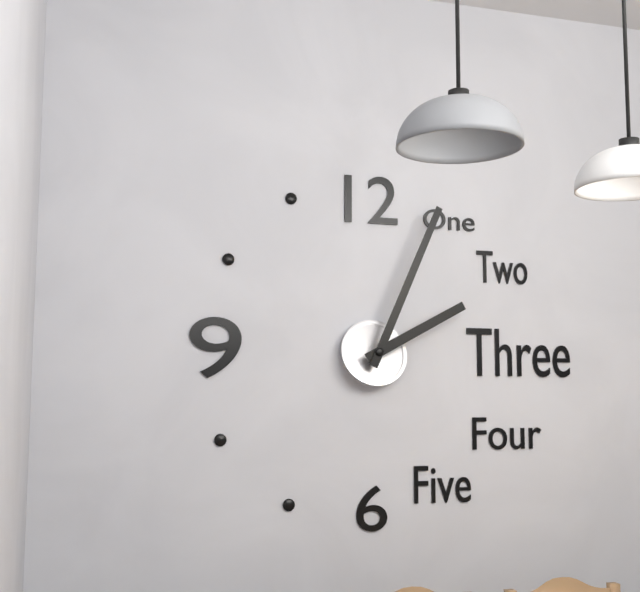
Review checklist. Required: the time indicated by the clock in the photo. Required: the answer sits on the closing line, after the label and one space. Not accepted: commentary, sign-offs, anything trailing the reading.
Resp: 2:04
